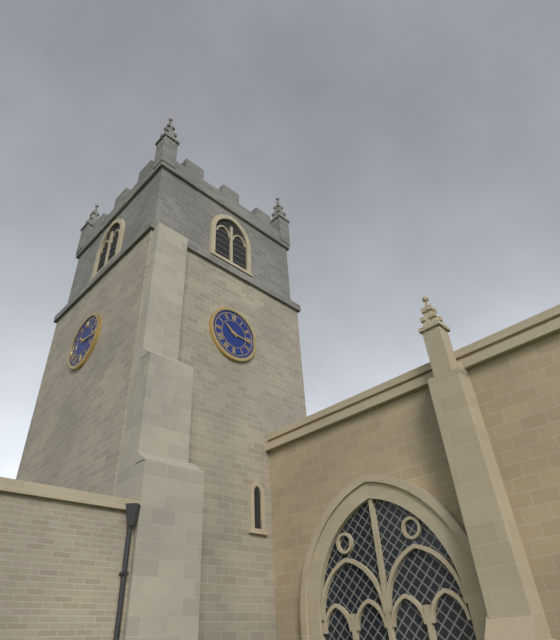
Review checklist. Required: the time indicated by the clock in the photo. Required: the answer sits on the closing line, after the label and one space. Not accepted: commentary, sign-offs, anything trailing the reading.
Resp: 10:16
